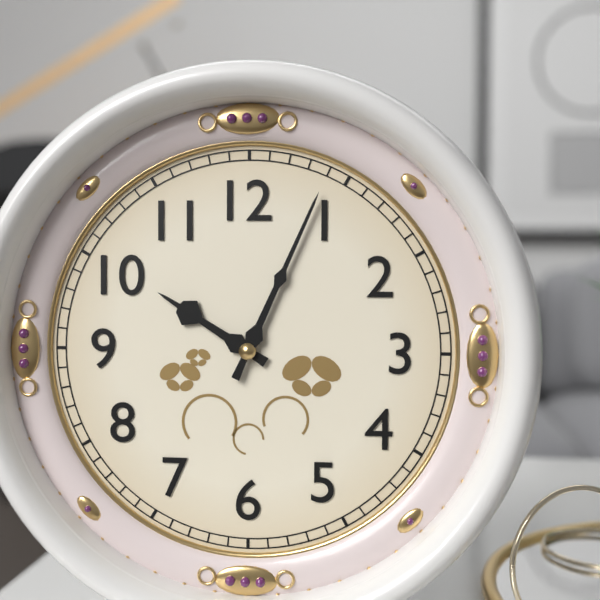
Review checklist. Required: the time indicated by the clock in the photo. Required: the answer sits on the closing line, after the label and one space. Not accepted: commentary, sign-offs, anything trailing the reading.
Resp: 10:04
